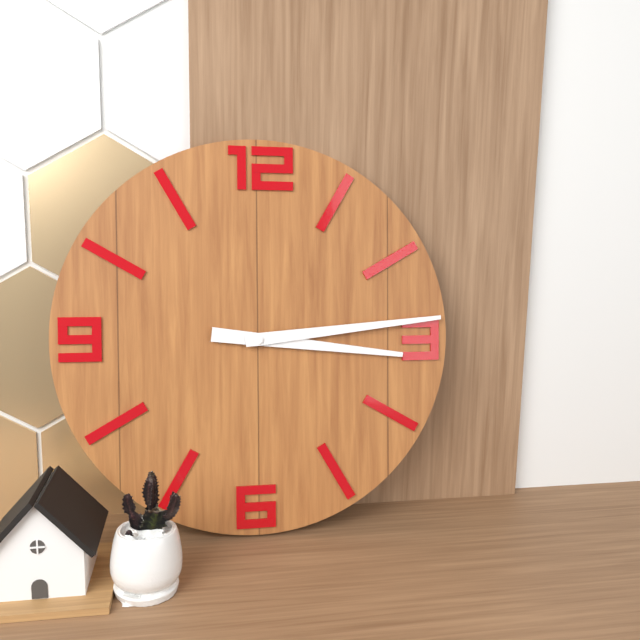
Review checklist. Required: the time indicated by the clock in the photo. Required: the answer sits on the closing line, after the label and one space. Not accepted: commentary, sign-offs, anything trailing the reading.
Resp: 3:14
